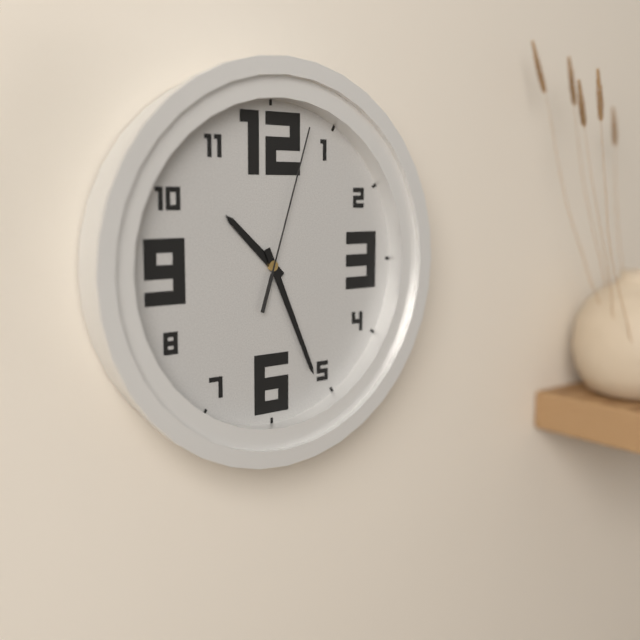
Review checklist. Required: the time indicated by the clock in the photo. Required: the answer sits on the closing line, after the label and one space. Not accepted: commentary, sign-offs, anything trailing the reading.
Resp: 10:26:03
